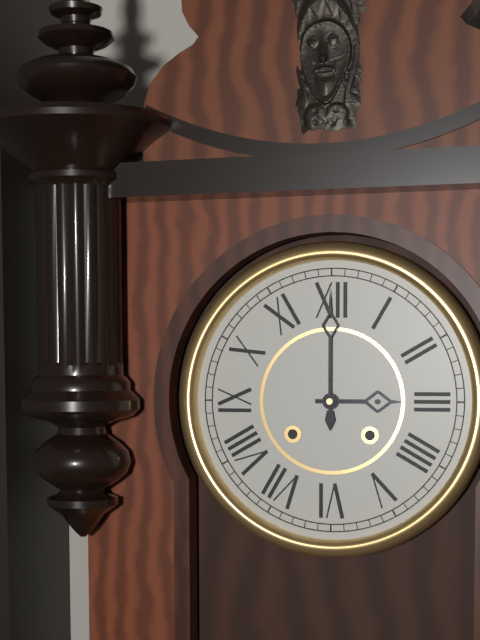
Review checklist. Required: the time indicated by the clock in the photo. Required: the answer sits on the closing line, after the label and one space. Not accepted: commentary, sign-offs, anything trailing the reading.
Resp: 3:00
